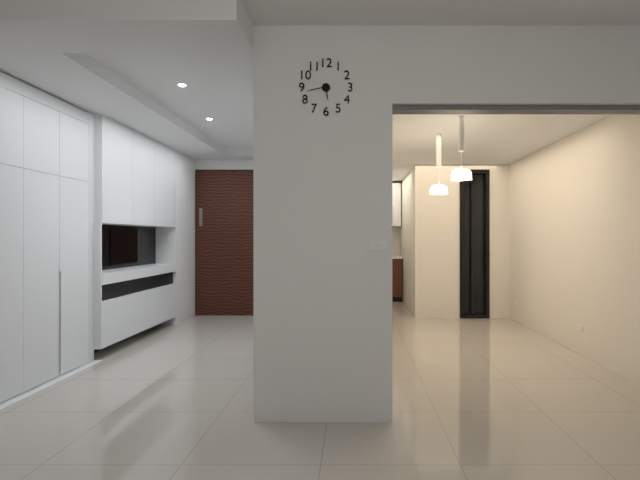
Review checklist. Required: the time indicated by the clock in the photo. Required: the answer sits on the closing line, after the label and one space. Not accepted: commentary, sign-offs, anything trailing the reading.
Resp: 5:43
